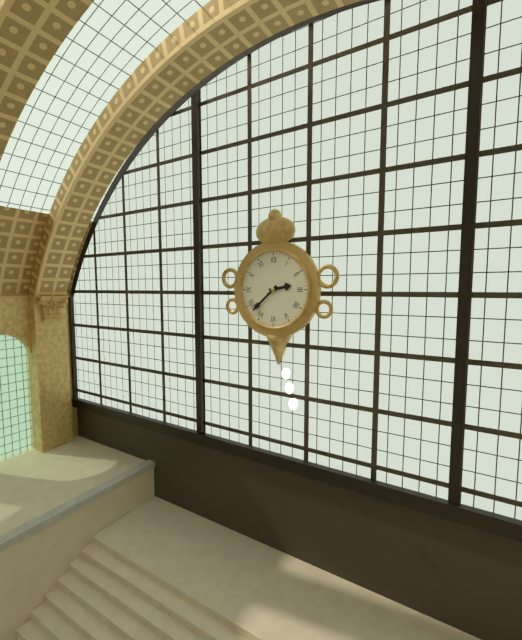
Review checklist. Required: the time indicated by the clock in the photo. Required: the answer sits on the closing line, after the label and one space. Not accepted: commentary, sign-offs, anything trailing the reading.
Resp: 2:38
